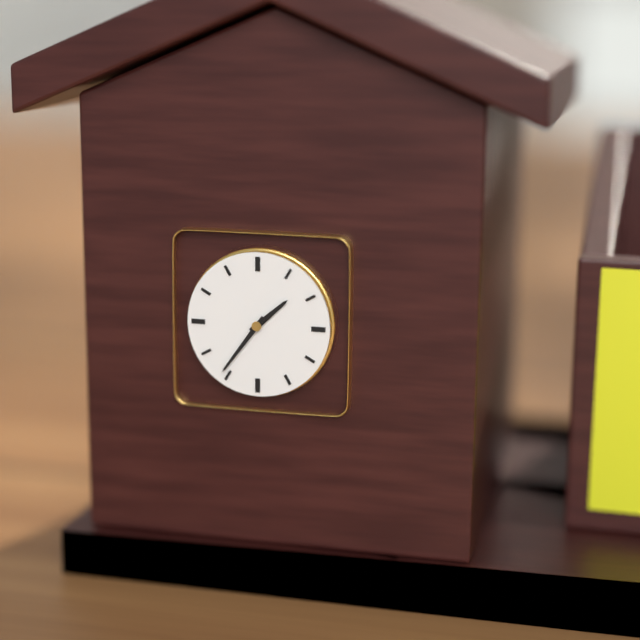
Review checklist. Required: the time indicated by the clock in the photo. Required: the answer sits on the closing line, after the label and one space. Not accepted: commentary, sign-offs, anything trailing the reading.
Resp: 1:36
